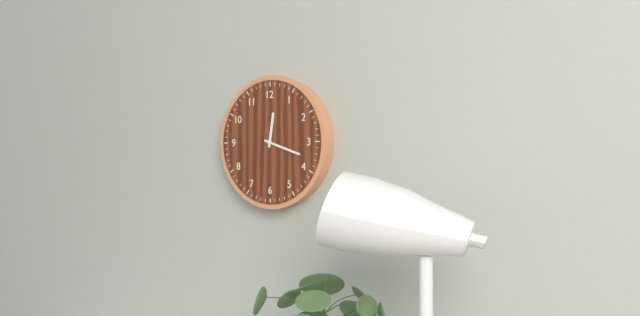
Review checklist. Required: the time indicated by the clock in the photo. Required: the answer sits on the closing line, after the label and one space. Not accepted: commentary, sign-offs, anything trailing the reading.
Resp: 12:18
